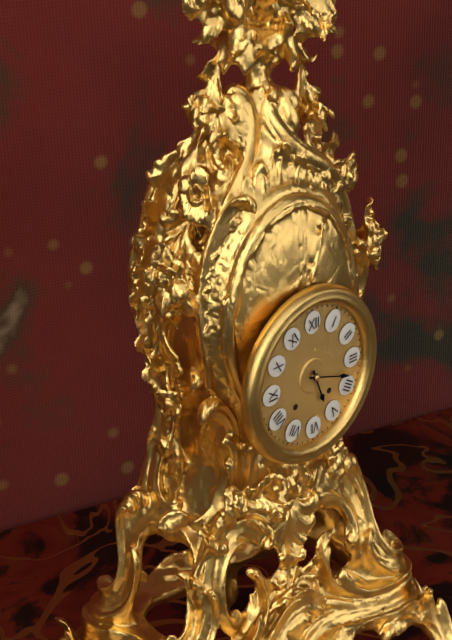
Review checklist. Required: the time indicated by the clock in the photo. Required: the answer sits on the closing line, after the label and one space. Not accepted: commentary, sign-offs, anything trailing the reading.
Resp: 5:18
